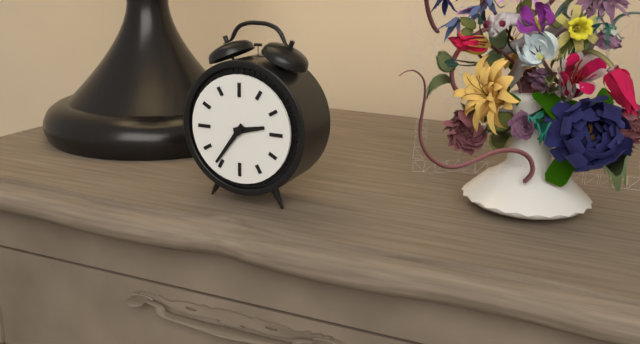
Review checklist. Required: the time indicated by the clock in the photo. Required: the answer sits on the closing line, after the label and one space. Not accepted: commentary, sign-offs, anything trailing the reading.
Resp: 2:36
